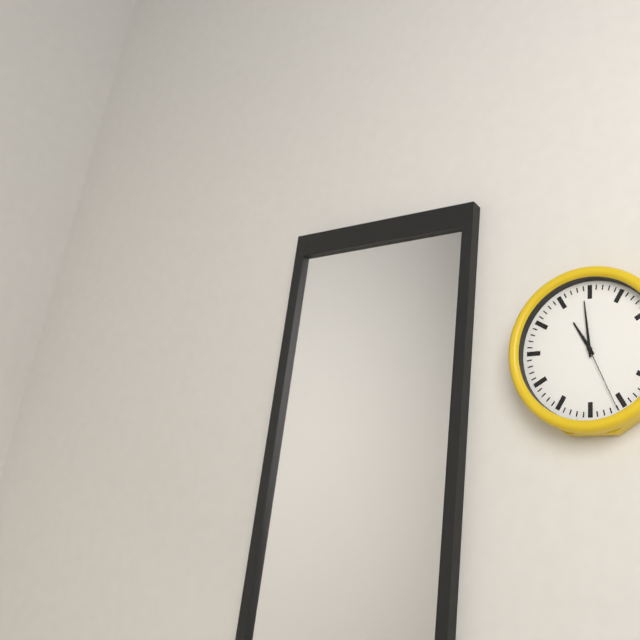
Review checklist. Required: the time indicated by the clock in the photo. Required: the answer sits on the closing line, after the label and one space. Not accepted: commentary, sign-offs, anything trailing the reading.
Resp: 10:59:26
